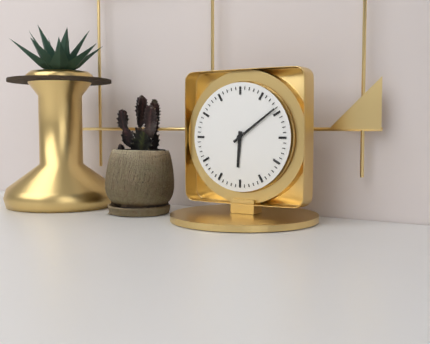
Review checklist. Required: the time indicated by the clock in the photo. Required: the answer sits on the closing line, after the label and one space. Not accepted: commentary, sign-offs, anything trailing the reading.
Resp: 6:09
